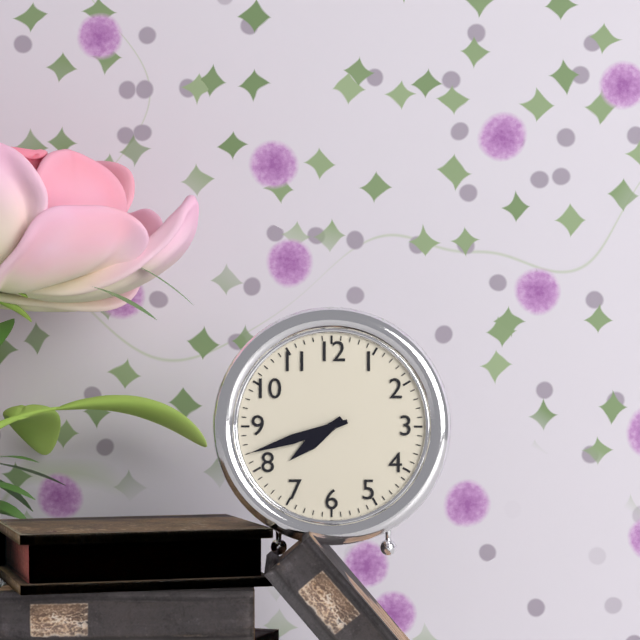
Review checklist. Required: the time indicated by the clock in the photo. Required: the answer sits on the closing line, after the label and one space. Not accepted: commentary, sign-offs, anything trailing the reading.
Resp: 7:42
